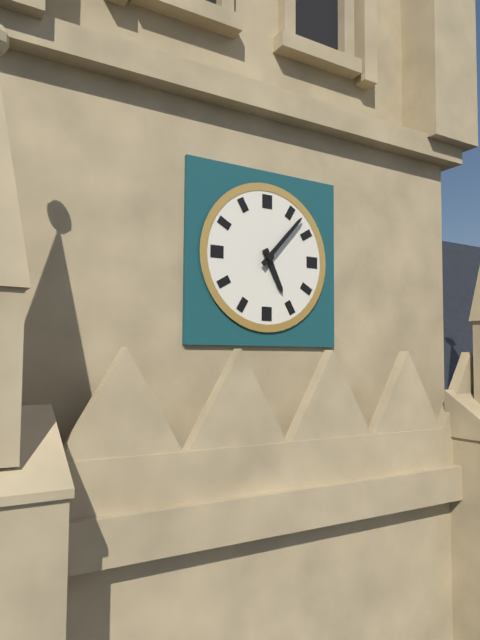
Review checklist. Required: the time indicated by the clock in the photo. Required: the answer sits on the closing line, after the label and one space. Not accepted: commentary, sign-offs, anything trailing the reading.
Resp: 5:07
